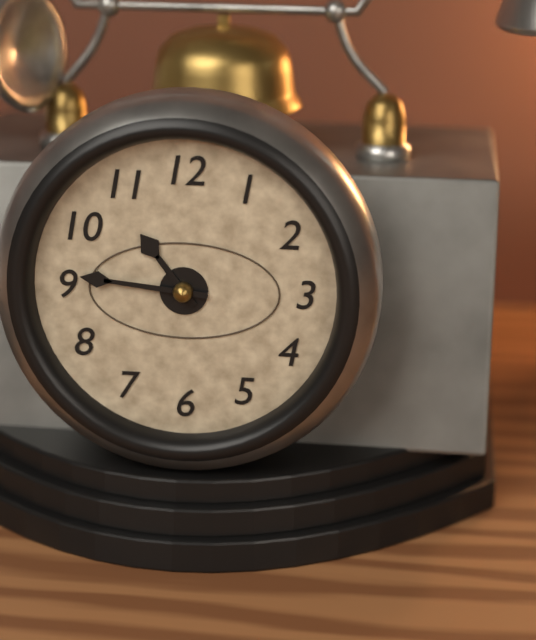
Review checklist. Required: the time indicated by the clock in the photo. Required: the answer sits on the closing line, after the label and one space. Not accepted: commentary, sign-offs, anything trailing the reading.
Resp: 10:46
